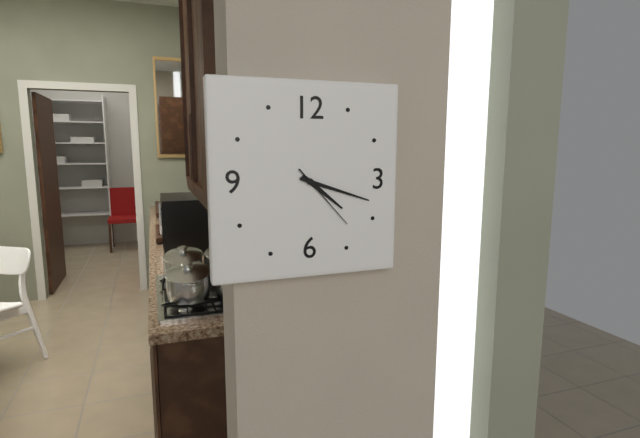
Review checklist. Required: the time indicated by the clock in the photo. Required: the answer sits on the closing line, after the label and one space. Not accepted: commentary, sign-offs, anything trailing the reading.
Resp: 4:18:23
